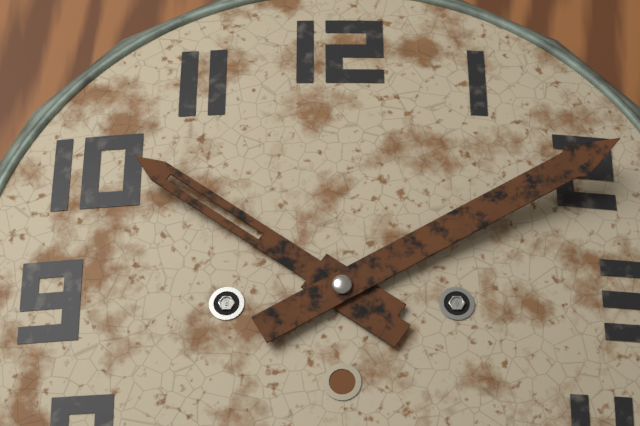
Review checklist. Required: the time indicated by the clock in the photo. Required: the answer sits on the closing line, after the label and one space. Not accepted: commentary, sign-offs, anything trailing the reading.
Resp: 10:10
